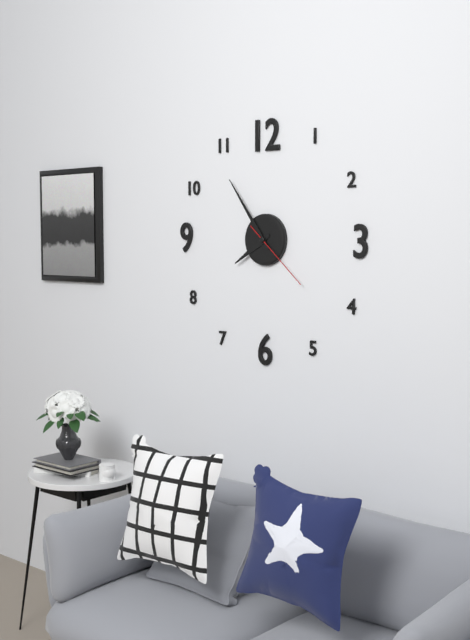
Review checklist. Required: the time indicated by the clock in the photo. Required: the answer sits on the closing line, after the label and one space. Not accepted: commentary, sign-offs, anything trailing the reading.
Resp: 7:54:22
